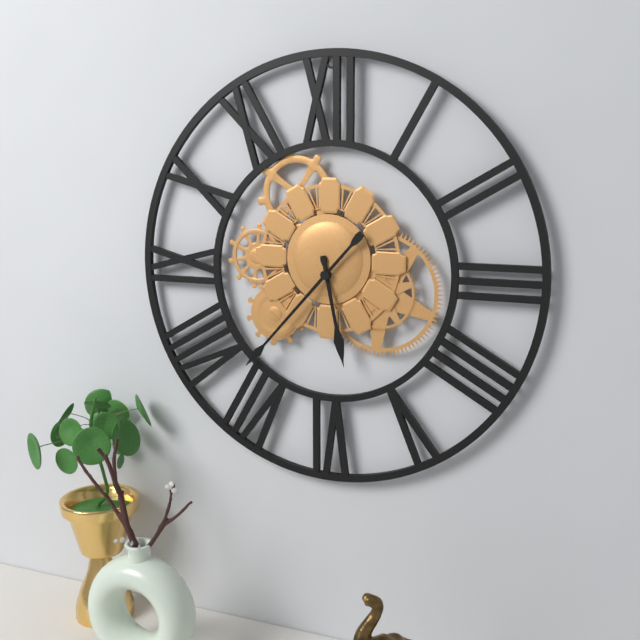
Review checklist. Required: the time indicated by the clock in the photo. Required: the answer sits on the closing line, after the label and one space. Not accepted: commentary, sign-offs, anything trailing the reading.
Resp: 5:37
